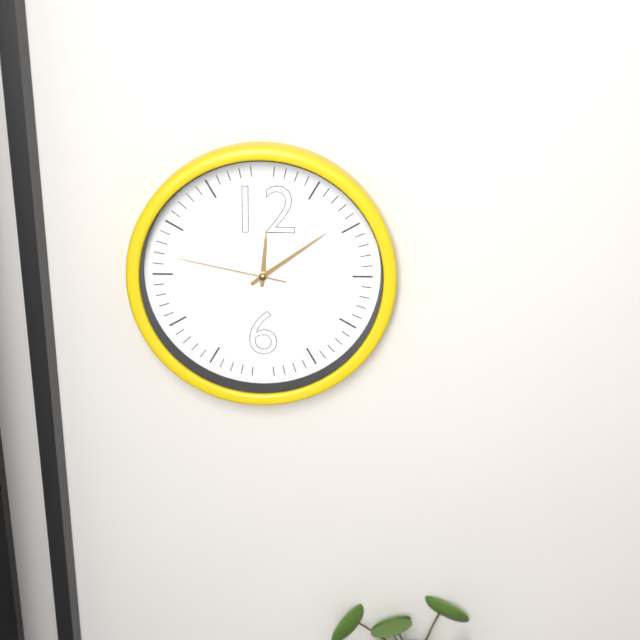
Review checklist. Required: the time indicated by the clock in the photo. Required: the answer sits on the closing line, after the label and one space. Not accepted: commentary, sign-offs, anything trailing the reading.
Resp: 12:09:47
